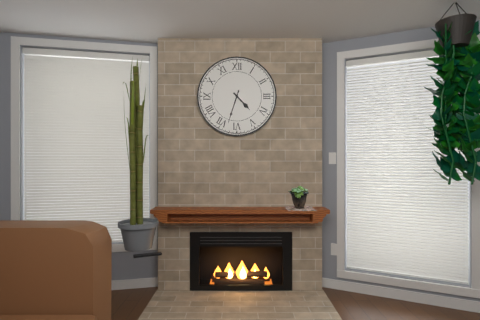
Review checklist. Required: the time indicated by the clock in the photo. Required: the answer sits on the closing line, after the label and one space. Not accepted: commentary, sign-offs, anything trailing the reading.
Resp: 4:33
